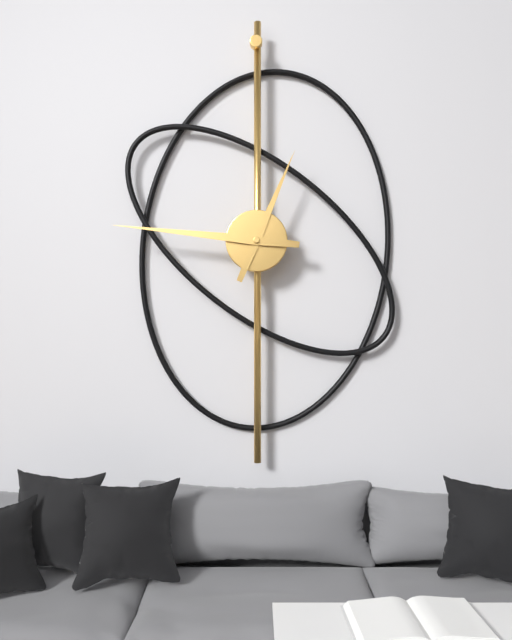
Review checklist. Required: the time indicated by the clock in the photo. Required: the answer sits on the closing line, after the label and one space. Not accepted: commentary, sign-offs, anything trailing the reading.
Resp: 12:46
